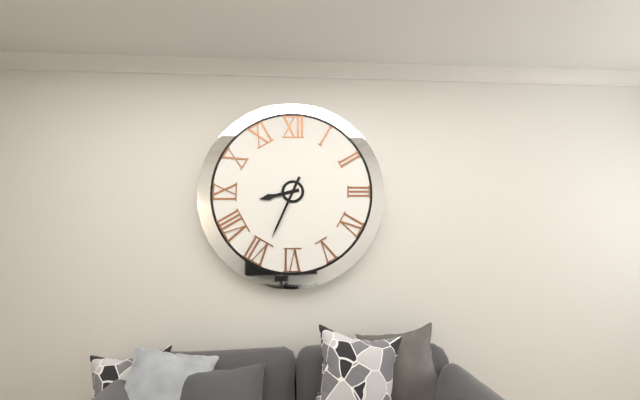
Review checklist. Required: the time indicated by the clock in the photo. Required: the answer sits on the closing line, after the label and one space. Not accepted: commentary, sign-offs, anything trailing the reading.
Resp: 8:34
